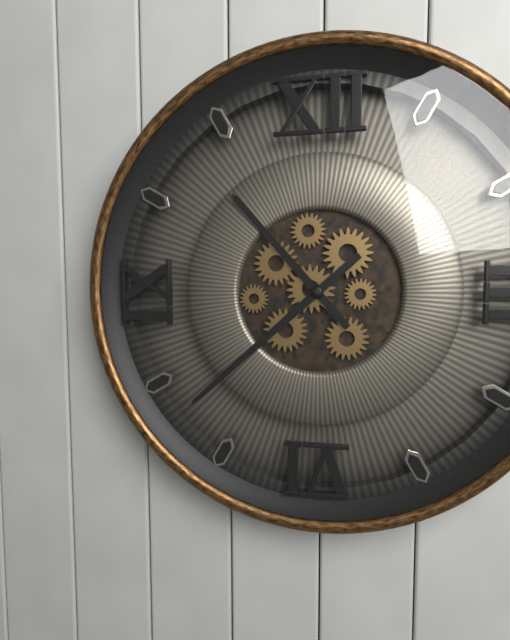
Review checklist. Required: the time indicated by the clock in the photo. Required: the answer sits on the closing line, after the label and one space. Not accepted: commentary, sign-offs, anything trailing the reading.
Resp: 10:38
